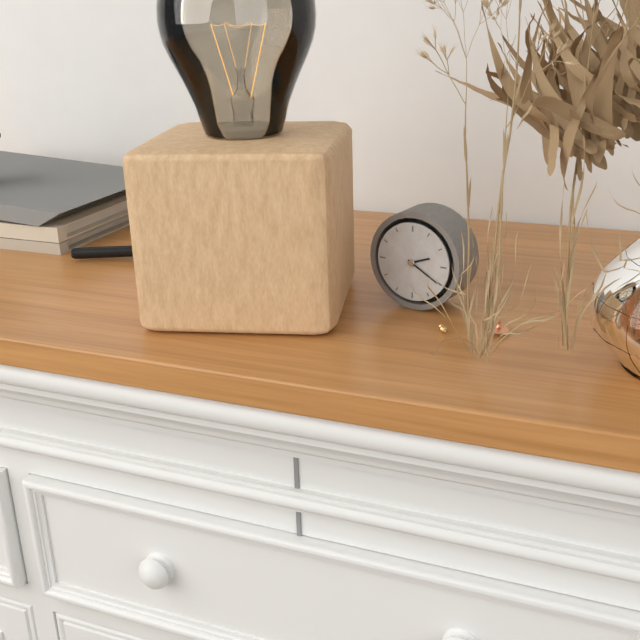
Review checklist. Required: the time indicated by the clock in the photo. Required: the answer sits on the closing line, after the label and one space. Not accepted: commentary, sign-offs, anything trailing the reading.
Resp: 2:20
